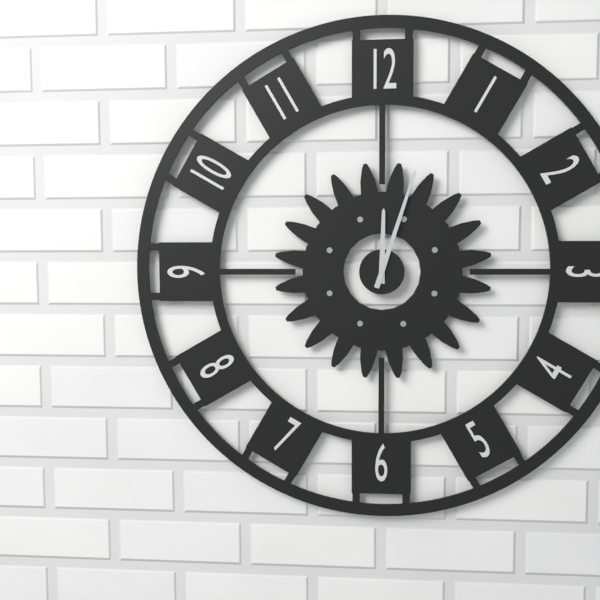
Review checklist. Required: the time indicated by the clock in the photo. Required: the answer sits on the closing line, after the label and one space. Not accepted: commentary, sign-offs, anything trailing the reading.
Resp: 12:03
